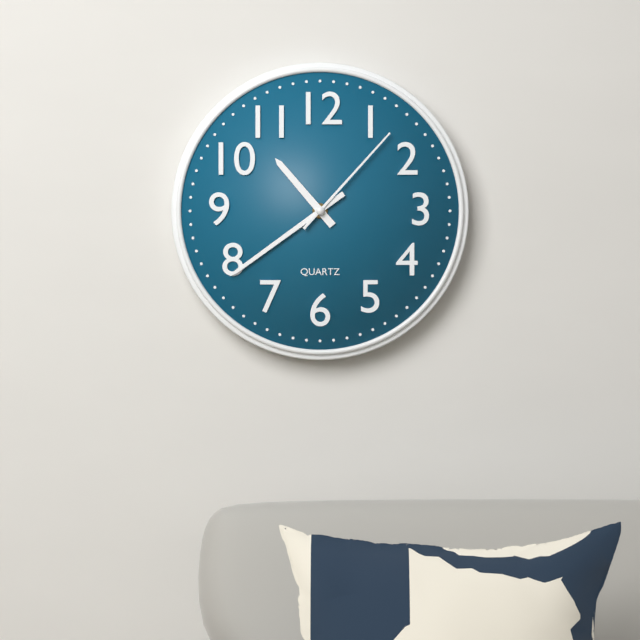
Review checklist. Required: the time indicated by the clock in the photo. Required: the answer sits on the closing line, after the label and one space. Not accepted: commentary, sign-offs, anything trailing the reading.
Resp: 10:39:07
